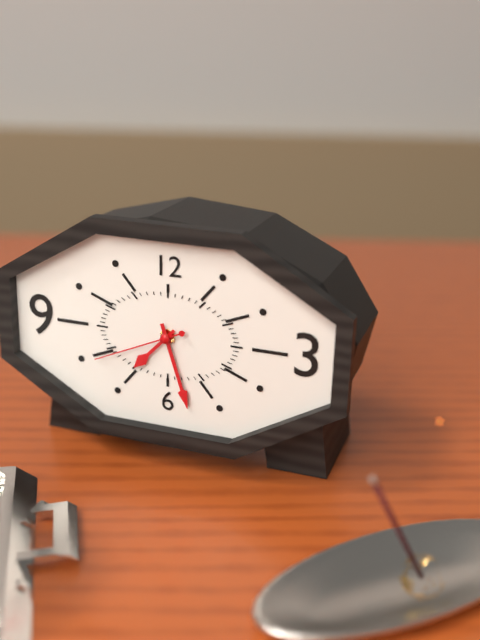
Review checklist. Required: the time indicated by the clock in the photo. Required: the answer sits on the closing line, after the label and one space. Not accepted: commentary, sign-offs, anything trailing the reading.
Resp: 7:27:41
